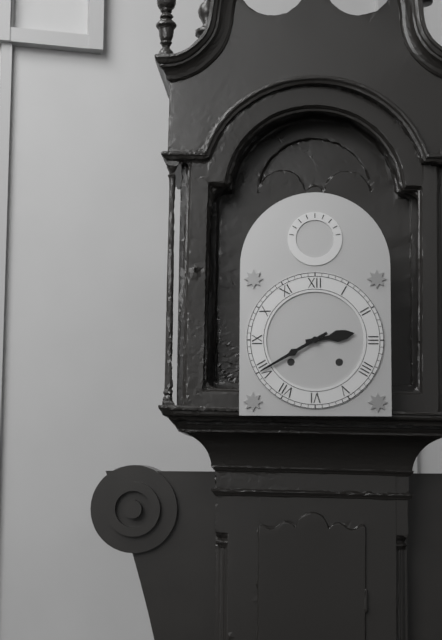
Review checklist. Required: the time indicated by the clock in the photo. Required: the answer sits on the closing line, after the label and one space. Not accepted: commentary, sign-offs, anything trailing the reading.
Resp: 2:40
